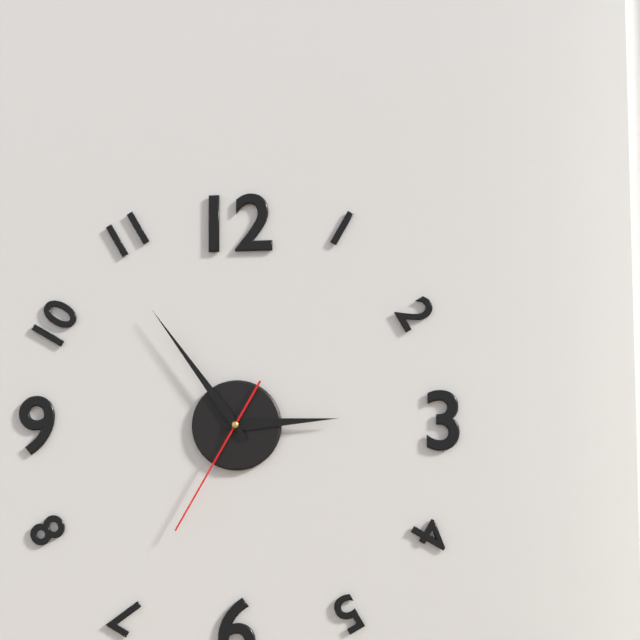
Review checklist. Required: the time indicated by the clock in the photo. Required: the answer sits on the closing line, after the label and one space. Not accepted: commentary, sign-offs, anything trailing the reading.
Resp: 2:54:35
